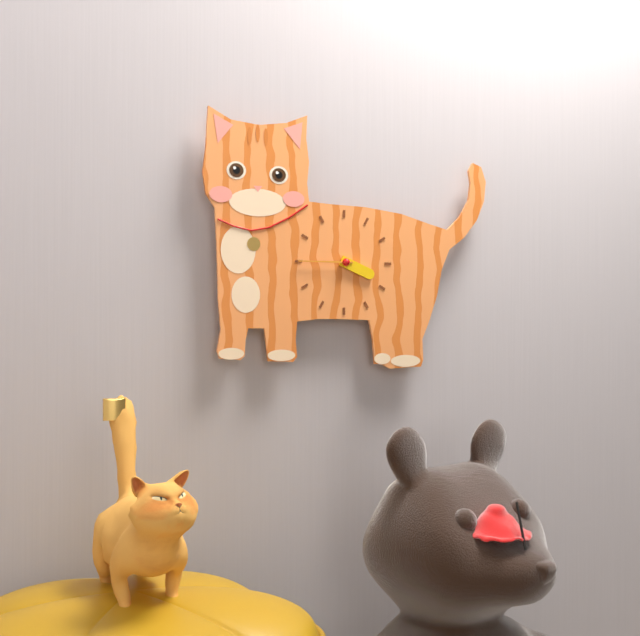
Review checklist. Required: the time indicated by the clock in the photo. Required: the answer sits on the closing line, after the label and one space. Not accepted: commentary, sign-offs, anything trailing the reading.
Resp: 3:45
